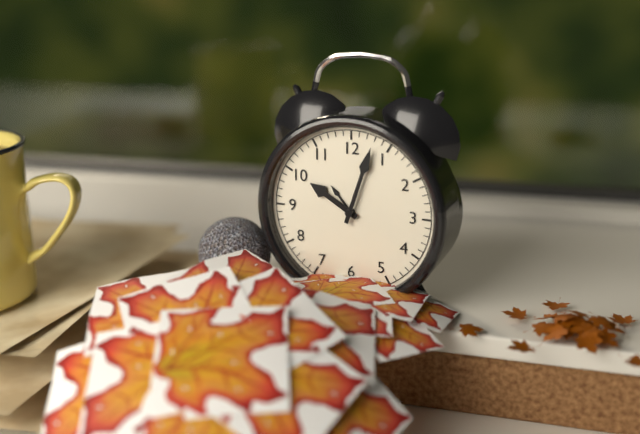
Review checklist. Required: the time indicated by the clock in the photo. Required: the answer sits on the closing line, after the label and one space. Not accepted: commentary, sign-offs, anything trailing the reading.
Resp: 10:03
